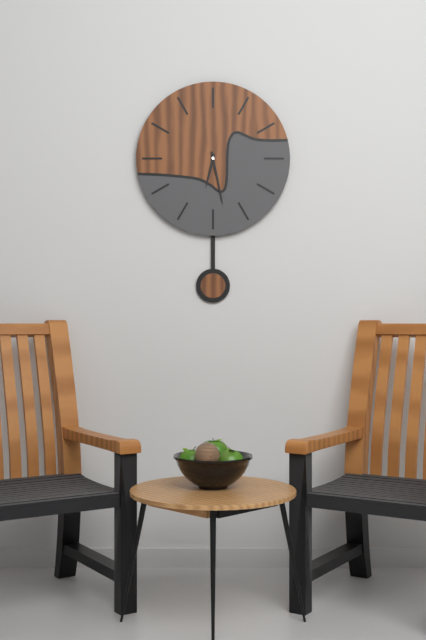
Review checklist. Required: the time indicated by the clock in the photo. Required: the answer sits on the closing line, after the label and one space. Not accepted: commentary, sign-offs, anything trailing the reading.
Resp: 6:28
